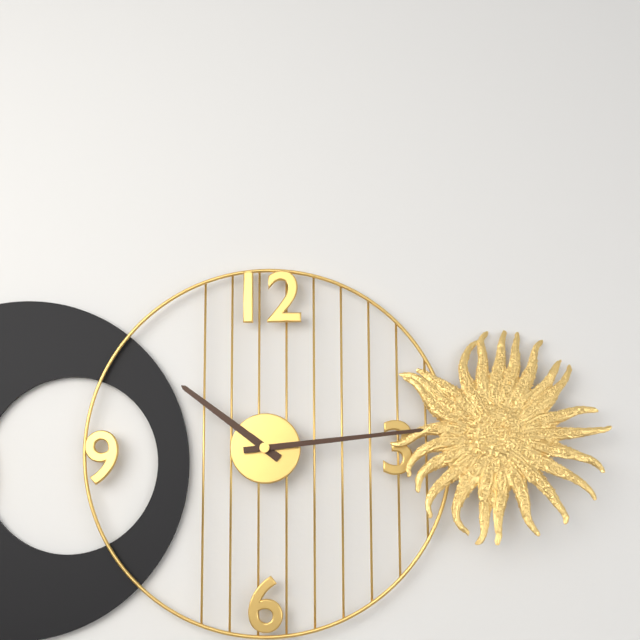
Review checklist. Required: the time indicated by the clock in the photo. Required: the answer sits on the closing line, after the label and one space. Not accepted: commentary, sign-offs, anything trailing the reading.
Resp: 10:14
